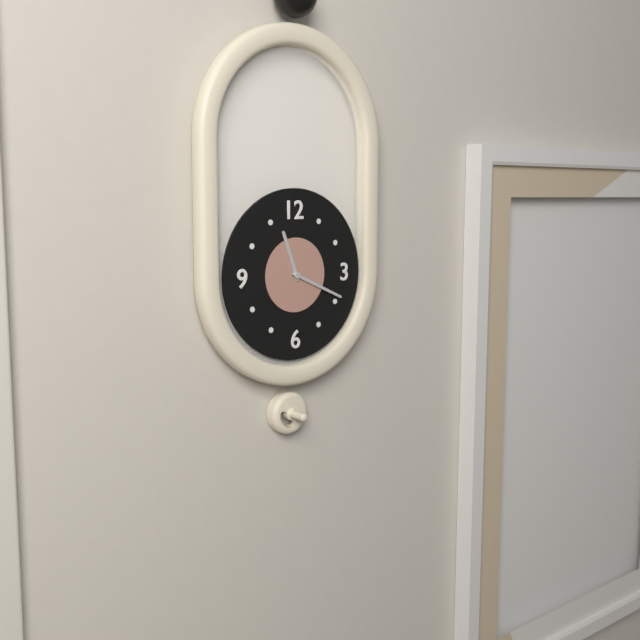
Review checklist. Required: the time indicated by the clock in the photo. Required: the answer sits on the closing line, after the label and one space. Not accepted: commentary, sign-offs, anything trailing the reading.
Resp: 11:19
